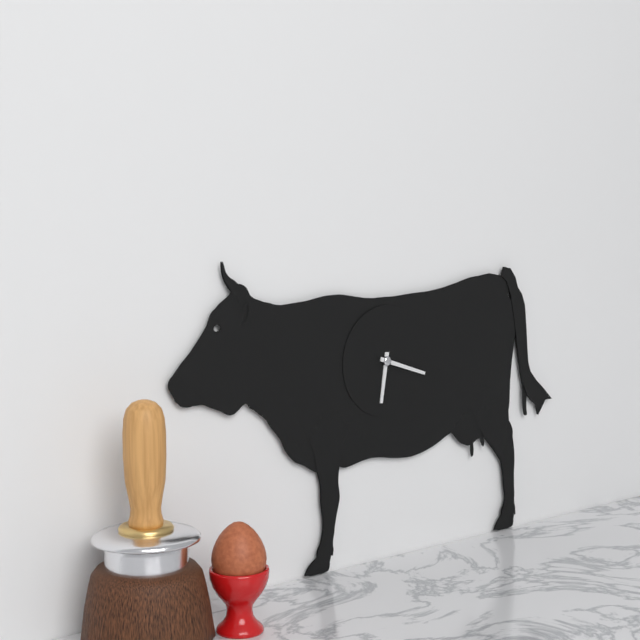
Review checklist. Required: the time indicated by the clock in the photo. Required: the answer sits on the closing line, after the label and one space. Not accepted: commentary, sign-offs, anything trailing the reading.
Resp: 6:18
